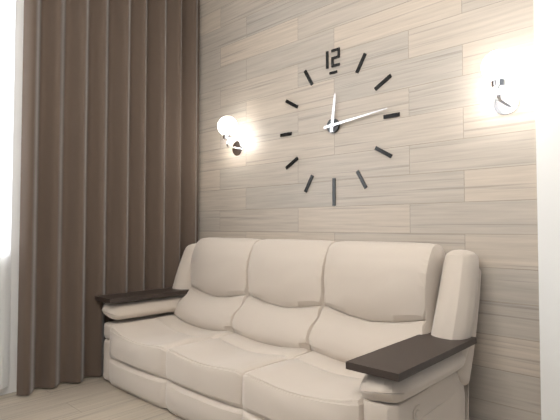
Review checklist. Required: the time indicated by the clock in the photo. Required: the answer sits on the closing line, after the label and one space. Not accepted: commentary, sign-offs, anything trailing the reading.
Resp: 12:14
